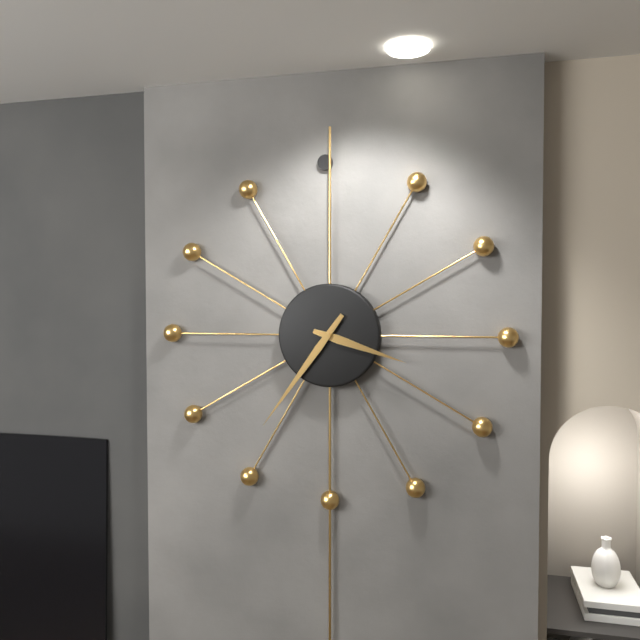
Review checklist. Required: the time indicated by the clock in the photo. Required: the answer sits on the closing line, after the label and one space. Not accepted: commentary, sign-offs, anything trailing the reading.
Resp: 3:36
